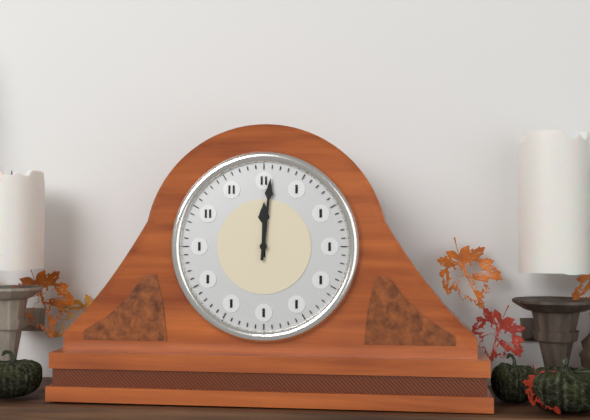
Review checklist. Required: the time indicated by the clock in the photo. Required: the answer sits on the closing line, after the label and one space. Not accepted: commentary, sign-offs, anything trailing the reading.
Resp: 12:01
